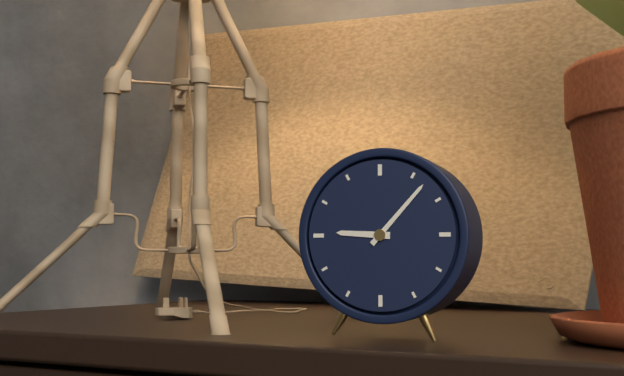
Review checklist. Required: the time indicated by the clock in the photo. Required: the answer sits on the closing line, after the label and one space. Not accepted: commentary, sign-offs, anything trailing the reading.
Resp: 9:07
